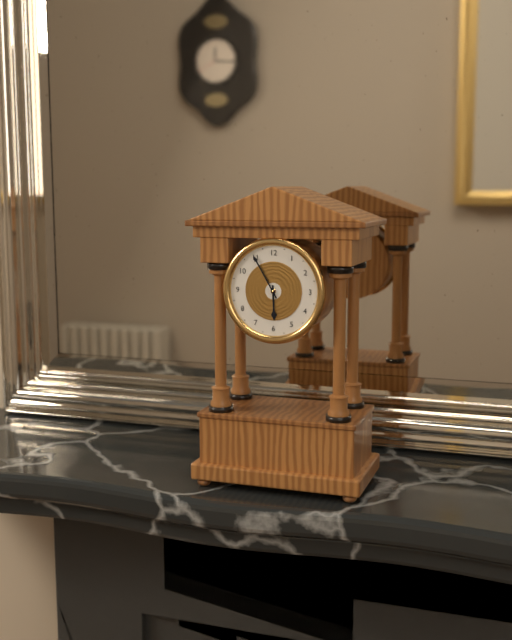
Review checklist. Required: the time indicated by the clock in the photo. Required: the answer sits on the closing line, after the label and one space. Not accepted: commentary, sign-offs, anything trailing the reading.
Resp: 5:55
